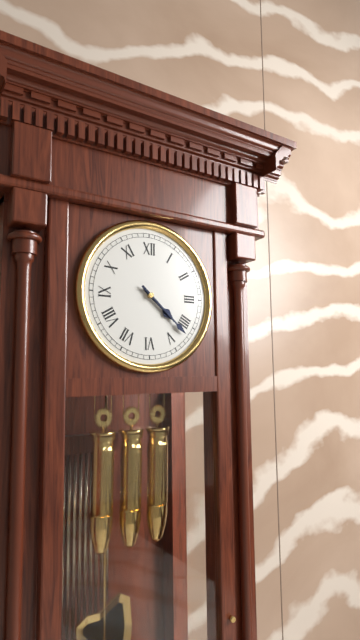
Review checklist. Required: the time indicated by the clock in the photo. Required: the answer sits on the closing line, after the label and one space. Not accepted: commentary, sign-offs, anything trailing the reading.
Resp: 4:22
